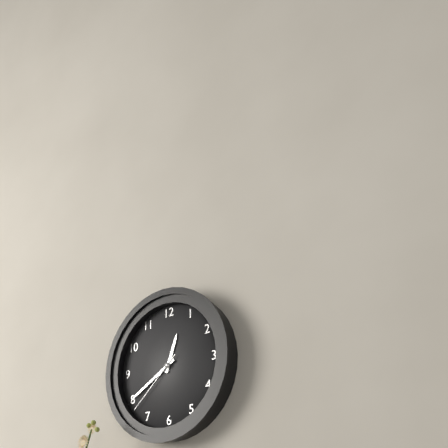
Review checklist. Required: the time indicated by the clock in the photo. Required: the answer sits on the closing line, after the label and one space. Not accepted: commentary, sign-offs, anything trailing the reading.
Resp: 12:40:38
